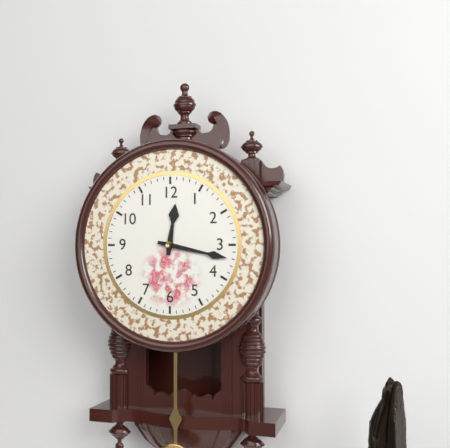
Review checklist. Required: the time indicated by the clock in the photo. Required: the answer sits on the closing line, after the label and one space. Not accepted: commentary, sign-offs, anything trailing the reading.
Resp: 12:17
